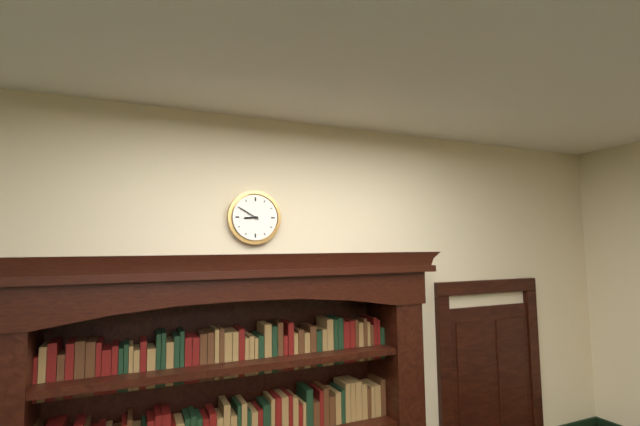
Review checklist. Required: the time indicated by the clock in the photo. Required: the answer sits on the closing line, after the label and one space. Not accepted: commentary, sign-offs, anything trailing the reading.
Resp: 8:50
